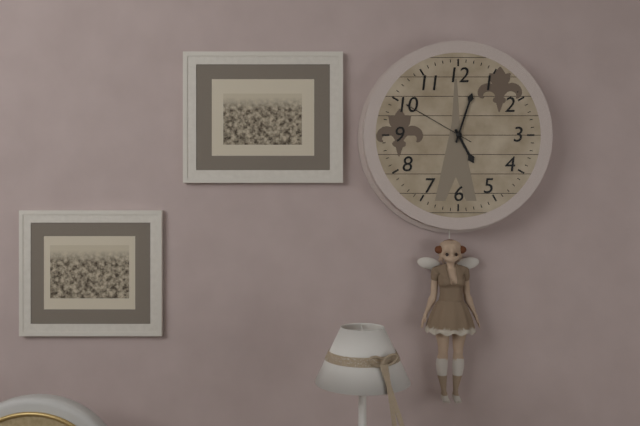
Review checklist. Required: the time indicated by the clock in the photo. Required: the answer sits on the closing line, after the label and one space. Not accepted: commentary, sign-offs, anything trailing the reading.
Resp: 5:03:50
